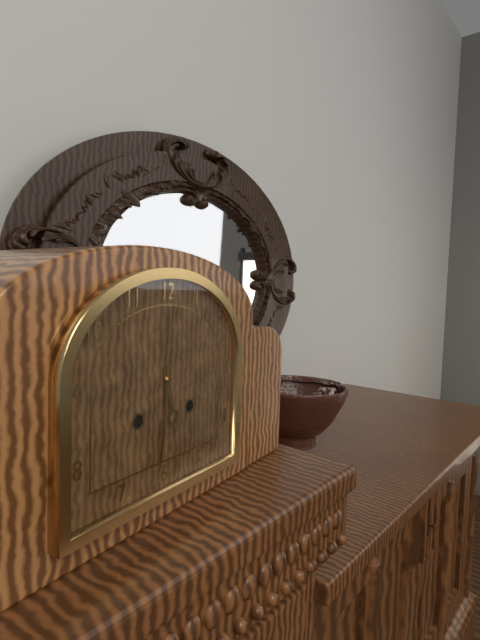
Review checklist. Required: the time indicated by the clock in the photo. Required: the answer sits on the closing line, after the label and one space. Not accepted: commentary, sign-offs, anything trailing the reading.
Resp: 5:31
